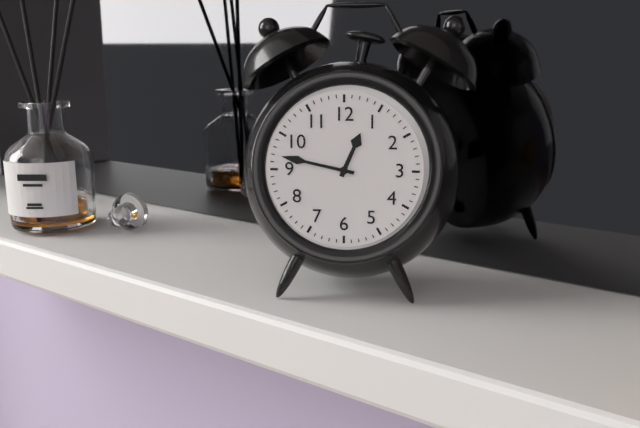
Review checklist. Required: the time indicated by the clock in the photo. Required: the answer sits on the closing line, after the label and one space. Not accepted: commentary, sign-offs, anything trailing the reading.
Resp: 12:47
